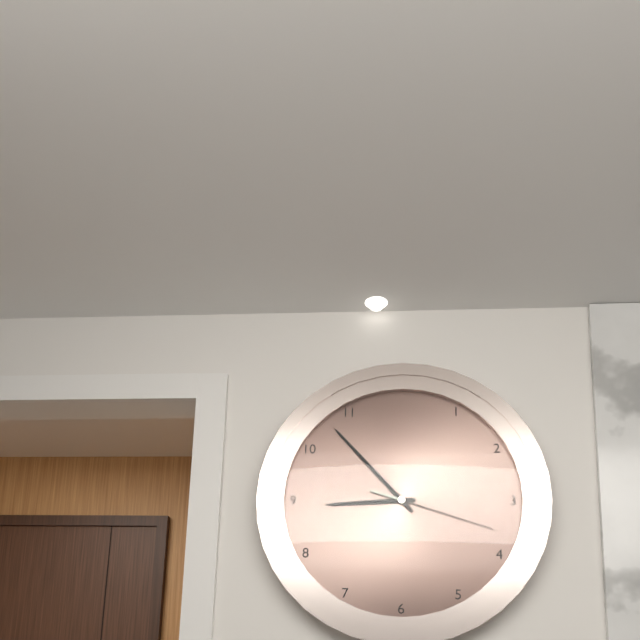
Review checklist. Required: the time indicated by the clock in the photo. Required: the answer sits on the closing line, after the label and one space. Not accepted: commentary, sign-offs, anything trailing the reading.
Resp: 8:53:18
